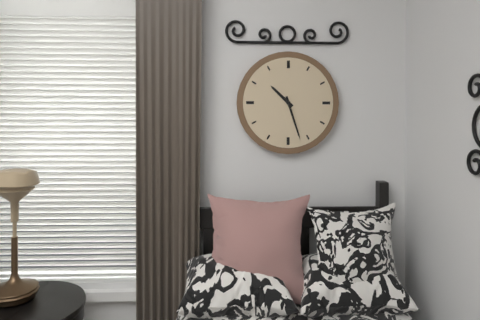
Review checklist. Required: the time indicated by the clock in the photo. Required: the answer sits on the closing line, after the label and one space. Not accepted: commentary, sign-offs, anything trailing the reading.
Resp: 10:27
